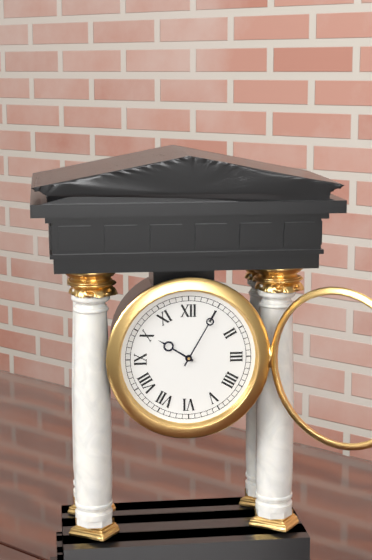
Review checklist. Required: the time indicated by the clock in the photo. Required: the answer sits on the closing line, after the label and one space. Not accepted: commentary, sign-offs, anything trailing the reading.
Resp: 10:05
